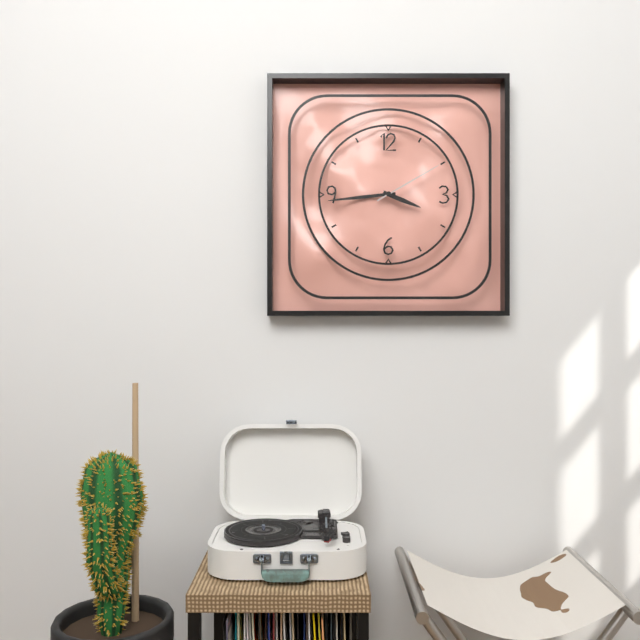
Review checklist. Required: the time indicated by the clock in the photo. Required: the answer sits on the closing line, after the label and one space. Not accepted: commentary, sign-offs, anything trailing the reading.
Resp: 3:44:10
